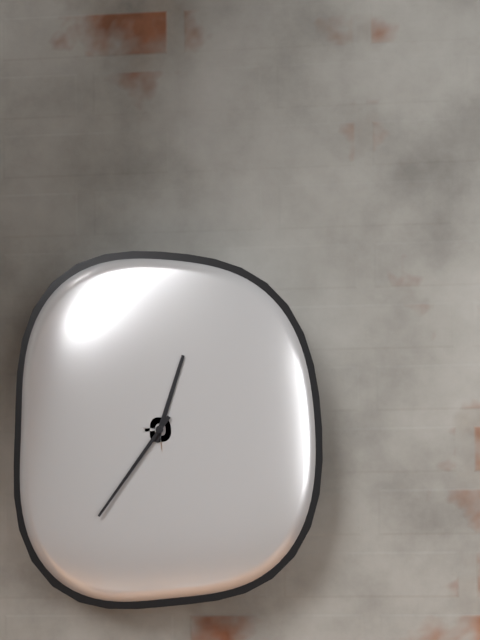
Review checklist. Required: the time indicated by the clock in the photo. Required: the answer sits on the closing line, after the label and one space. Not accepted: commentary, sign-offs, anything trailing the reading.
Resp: 12:36
